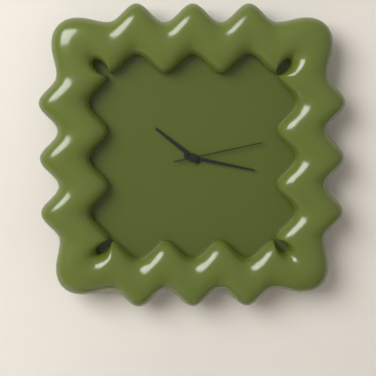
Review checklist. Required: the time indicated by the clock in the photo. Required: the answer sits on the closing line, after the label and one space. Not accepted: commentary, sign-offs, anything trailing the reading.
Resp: 10:17:13
